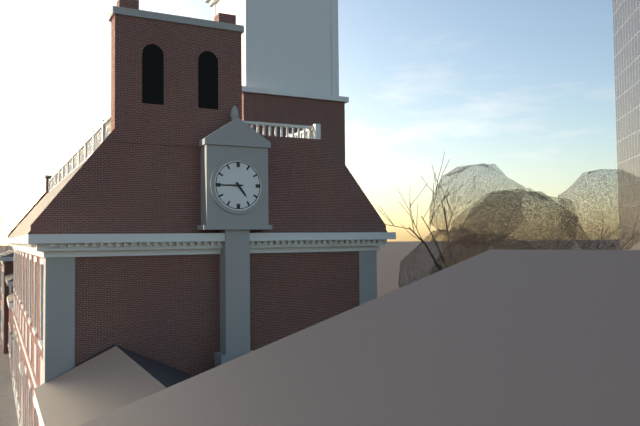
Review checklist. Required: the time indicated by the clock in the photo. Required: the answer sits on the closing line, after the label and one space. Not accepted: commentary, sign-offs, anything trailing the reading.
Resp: 4:45
